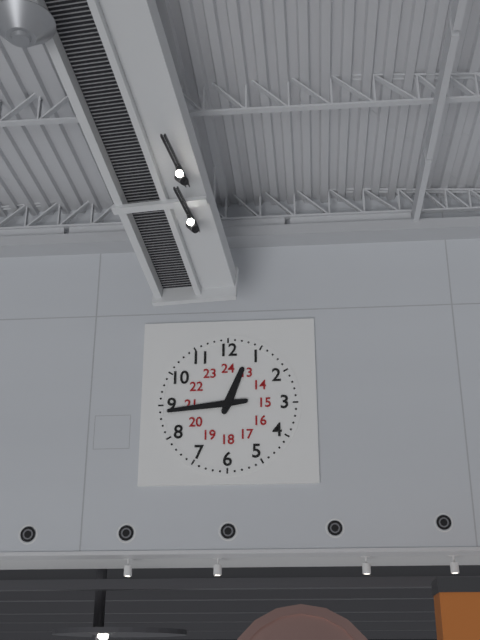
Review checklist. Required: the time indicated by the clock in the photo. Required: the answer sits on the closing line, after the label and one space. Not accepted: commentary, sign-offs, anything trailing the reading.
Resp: 12:44
